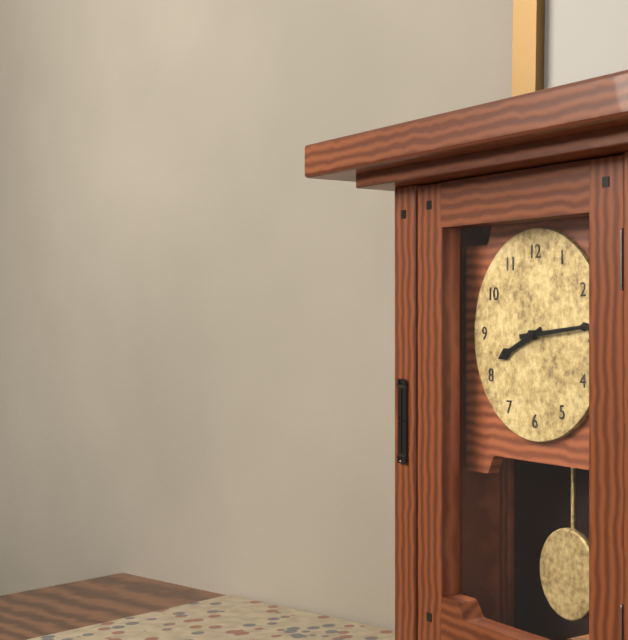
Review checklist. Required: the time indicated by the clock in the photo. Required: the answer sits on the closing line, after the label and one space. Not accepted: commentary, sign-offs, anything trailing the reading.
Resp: 8:14
